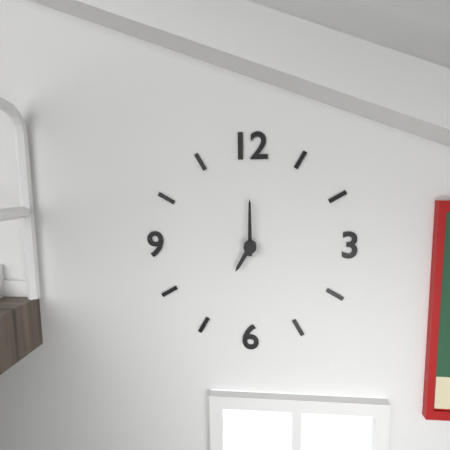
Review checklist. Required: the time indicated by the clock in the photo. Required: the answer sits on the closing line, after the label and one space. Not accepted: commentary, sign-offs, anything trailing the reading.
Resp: 7:00
